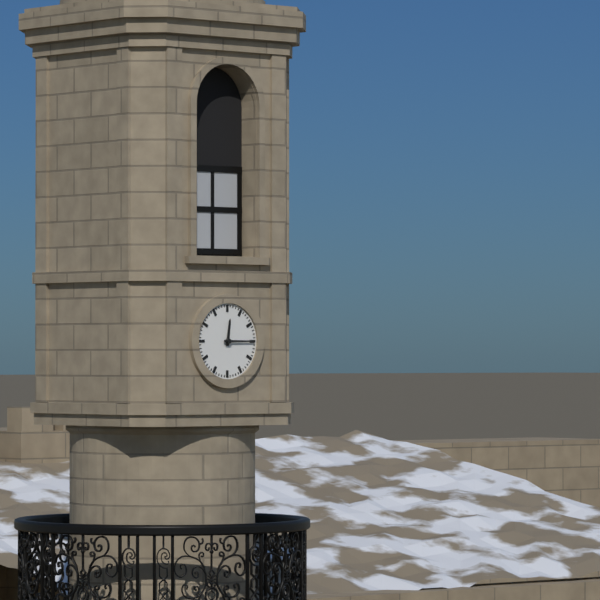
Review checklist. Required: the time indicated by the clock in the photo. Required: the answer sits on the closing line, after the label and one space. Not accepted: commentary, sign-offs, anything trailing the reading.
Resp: 12:15
